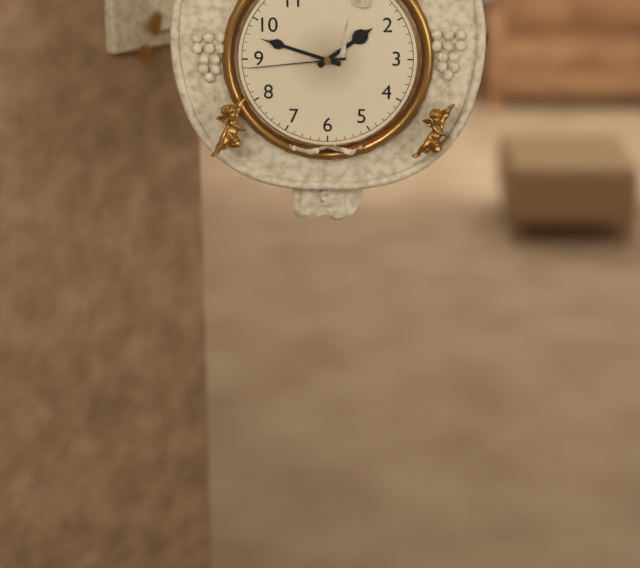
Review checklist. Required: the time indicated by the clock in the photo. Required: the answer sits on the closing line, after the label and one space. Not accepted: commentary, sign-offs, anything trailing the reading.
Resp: 1:48:44
